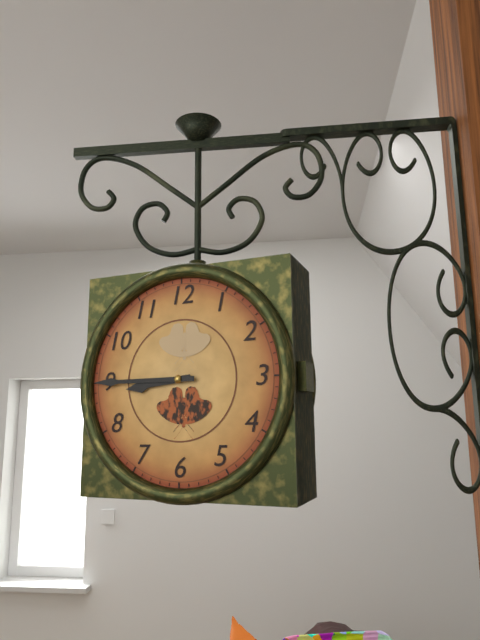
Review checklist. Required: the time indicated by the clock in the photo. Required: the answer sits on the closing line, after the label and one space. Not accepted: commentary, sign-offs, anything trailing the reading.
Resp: 8:45
